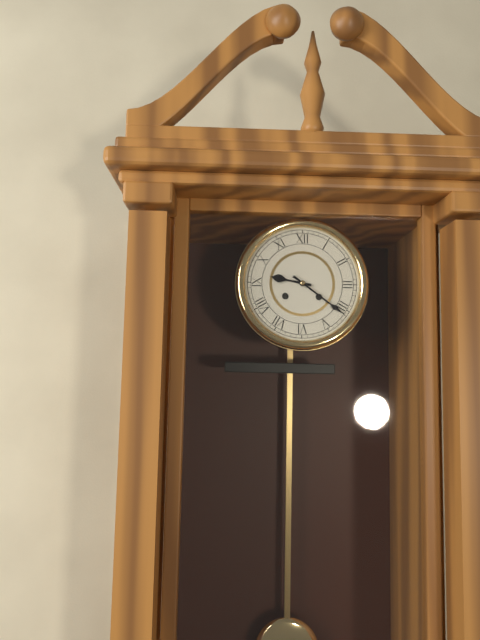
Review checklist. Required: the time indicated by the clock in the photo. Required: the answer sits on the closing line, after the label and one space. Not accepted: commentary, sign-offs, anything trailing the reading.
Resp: 9:21
